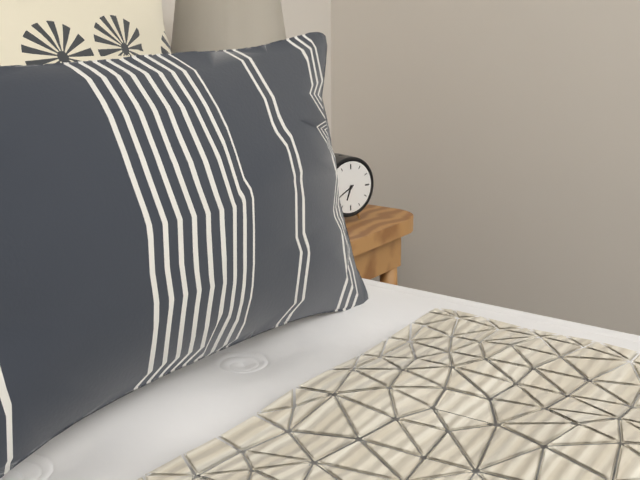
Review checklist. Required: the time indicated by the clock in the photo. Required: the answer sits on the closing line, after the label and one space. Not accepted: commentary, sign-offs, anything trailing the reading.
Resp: 6:40
